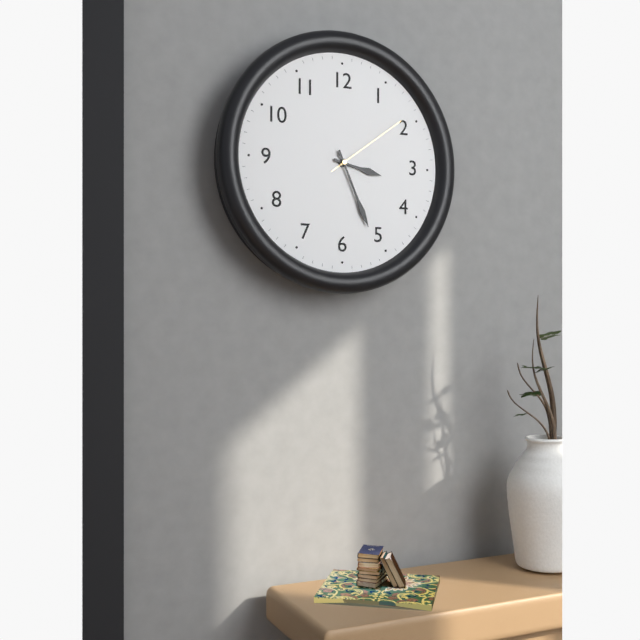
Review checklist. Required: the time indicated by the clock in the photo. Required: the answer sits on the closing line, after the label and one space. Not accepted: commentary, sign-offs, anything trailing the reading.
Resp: 3:26:09
